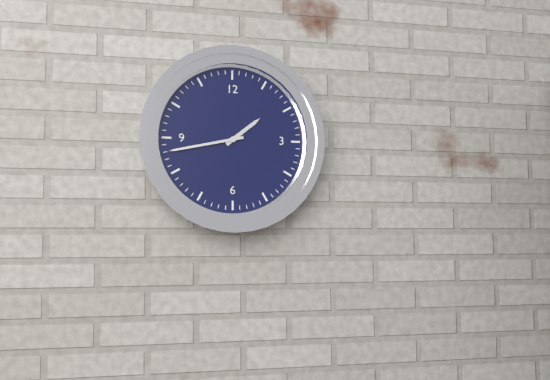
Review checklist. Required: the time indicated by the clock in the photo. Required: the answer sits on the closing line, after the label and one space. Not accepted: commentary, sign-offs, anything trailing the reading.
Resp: 1:43
